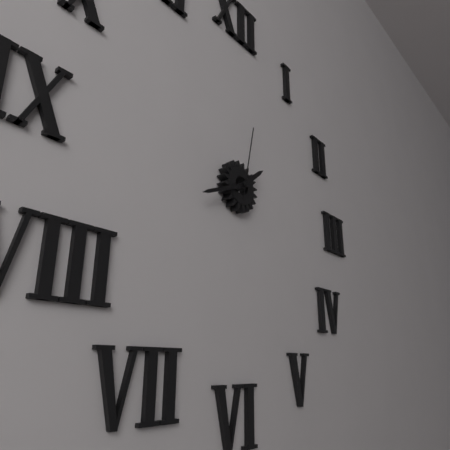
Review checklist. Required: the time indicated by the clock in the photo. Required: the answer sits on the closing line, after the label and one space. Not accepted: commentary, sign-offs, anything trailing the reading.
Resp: 1:41:02
